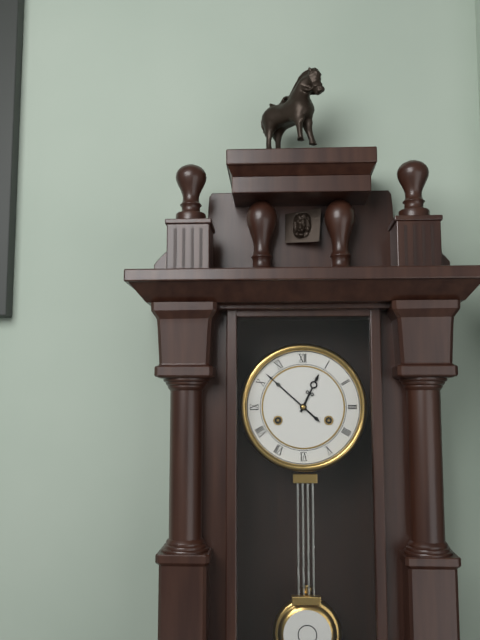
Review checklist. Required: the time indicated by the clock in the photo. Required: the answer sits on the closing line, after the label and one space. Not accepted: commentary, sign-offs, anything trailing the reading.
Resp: 12:52
